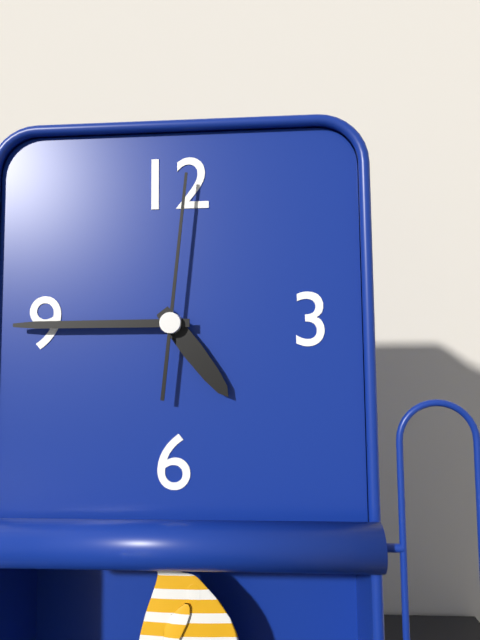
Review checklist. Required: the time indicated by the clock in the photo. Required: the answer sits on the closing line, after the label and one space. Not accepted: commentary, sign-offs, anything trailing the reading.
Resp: 4:45:01
